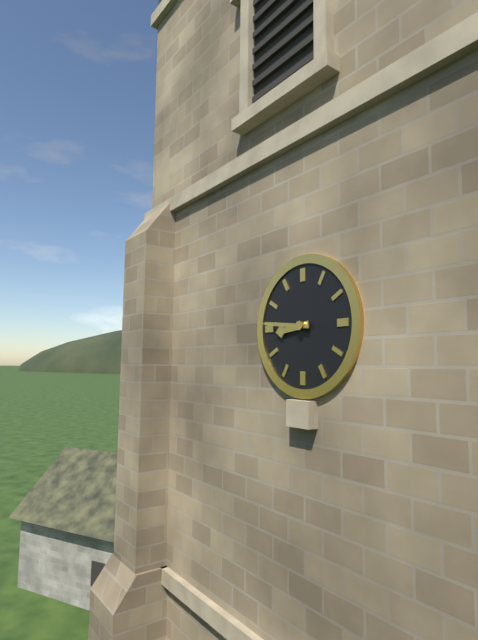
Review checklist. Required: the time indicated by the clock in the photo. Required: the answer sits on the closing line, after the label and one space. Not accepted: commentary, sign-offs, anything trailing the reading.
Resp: 8:46
